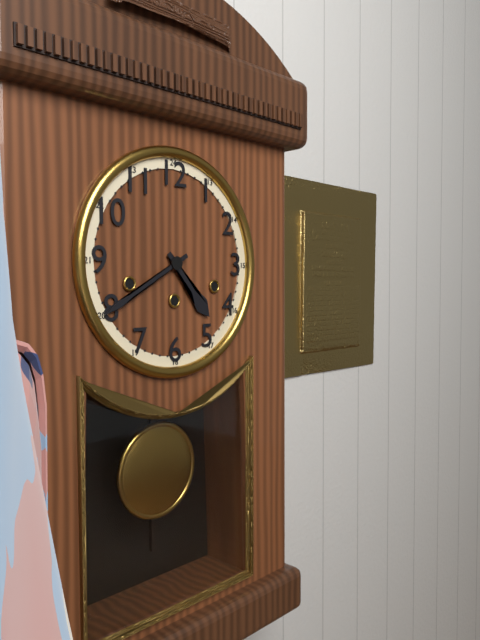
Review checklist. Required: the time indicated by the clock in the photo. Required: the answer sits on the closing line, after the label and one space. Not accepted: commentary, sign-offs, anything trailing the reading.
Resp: 4:40
